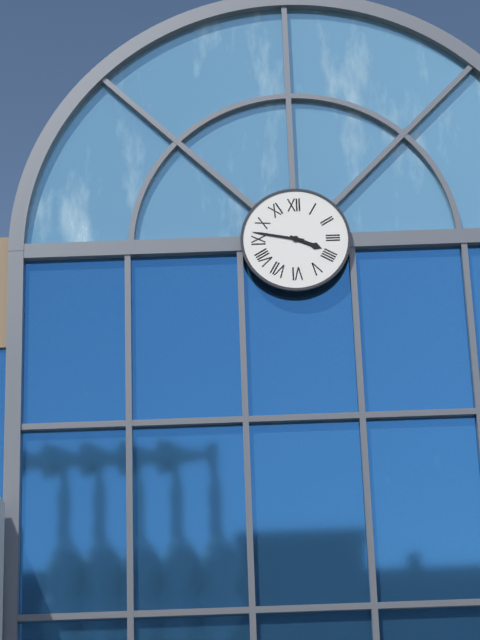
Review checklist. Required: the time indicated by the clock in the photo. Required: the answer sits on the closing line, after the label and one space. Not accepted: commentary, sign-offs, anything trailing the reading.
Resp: 3:47
